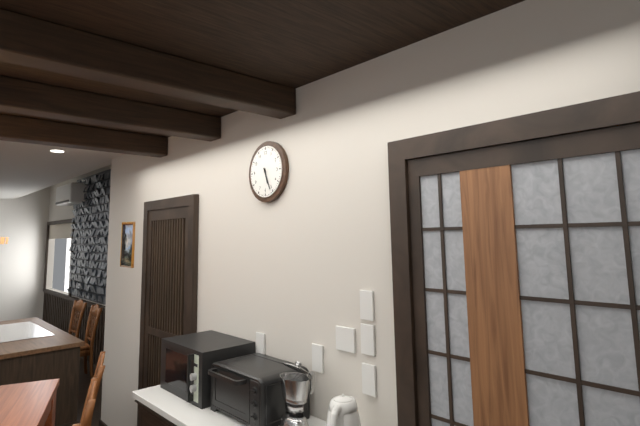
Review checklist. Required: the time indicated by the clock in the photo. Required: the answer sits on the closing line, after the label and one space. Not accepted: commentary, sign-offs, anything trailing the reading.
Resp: 5:26
